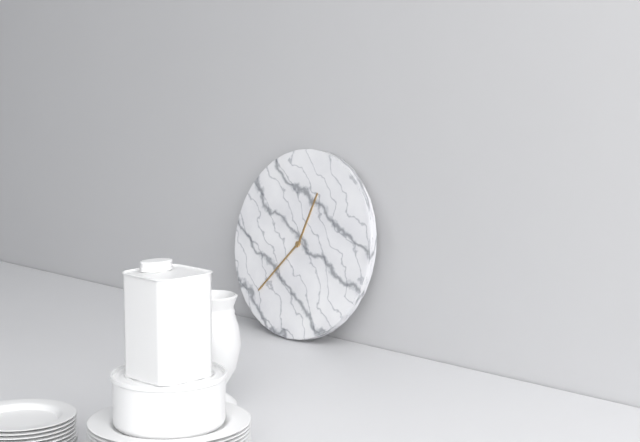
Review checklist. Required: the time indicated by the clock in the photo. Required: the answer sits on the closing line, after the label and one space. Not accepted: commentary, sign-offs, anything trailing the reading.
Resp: 12:37
